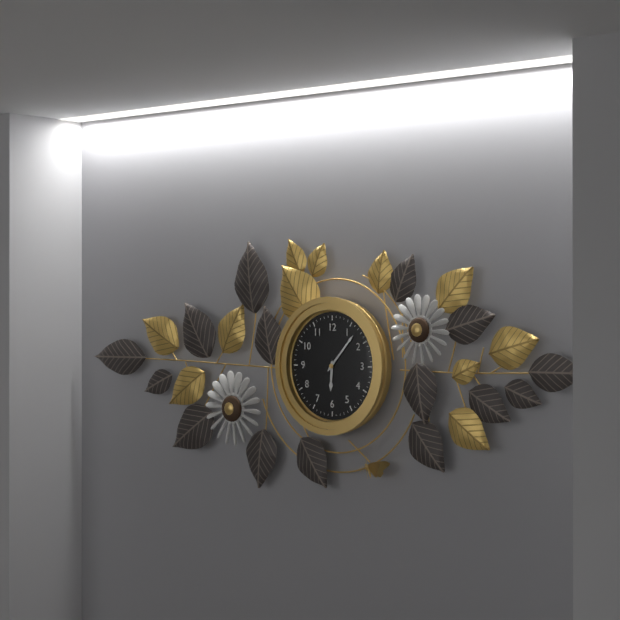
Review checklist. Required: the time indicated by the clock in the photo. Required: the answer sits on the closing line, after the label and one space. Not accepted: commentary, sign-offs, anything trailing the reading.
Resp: 6:07
